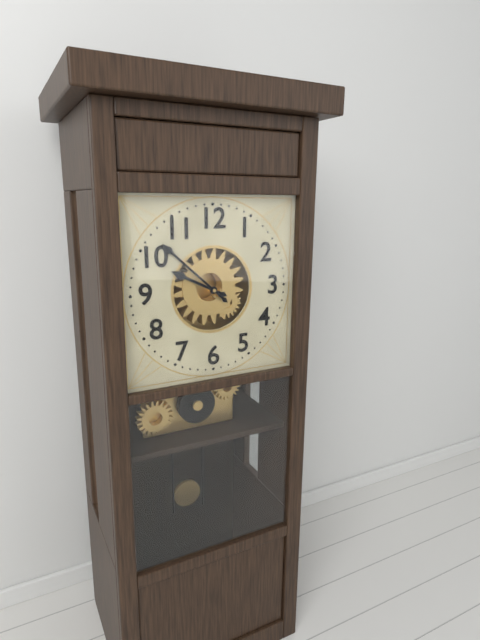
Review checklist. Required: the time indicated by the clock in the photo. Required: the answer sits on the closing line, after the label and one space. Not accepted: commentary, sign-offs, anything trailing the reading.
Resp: 9:52
